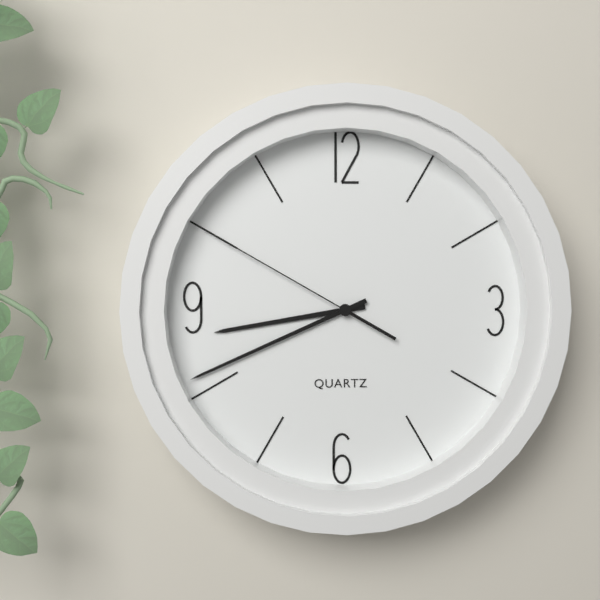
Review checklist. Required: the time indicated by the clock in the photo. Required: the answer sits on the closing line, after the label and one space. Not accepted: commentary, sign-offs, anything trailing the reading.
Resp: 8:41:50
